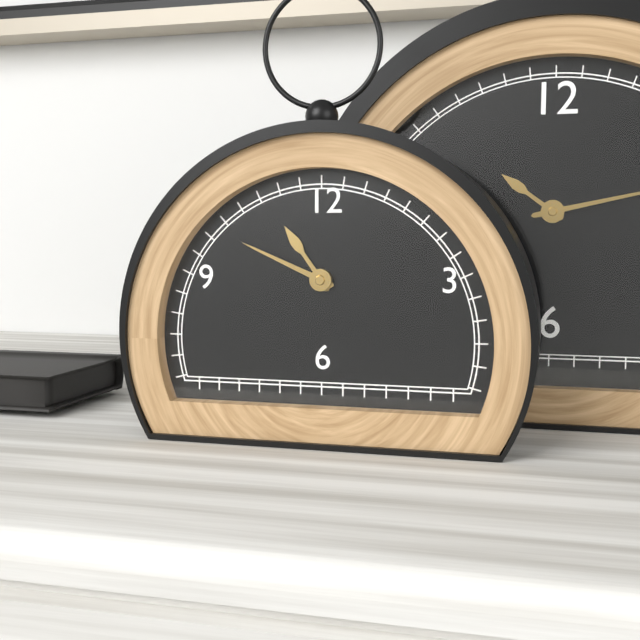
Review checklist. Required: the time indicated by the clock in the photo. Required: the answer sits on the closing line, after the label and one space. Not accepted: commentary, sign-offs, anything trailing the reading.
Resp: 10:49
